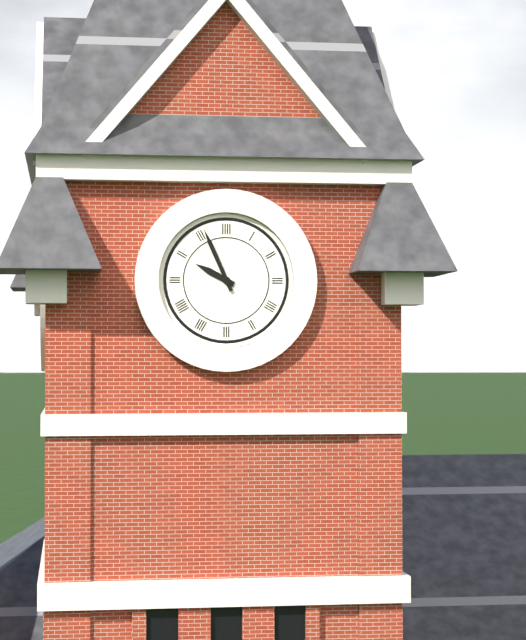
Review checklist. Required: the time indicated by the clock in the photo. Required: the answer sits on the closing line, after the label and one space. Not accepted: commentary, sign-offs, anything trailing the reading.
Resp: 9:56
